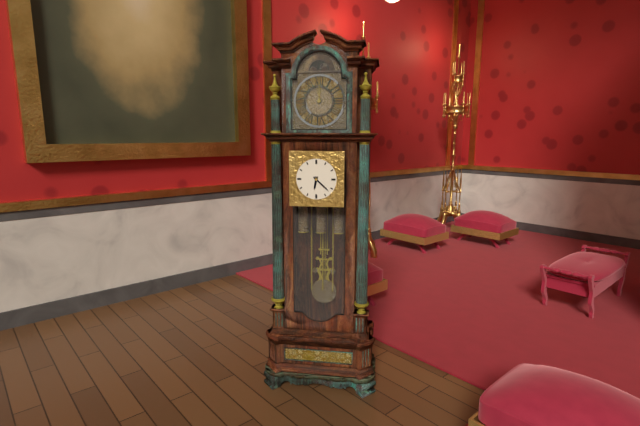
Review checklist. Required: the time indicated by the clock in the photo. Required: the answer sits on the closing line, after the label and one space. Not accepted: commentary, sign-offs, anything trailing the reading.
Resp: 6:22
